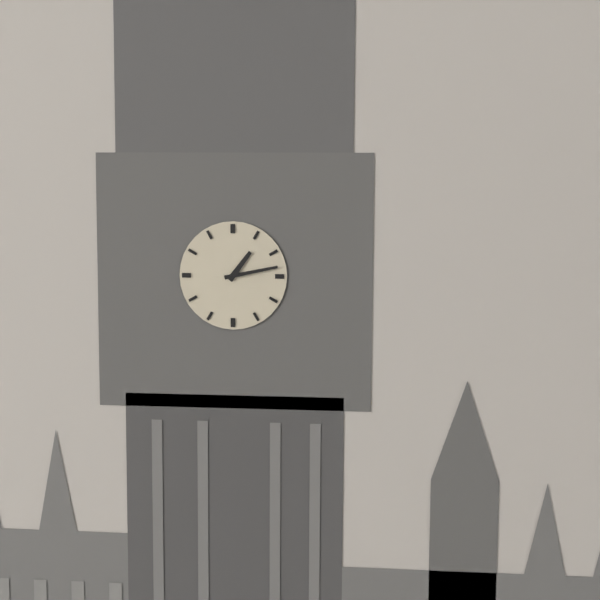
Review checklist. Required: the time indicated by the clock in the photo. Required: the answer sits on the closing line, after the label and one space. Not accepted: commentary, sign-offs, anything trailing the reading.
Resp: 1:13
